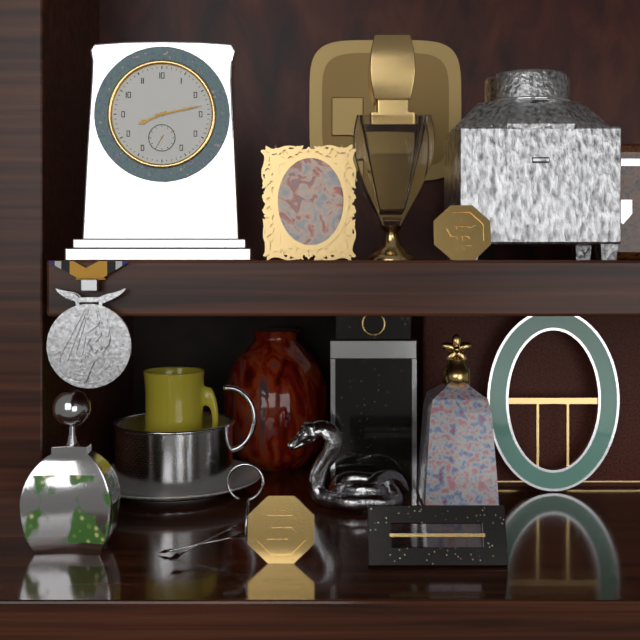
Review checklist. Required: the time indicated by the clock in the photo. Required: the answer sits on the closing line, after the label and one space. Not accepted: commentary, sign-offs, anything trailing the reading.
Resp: 8:13
